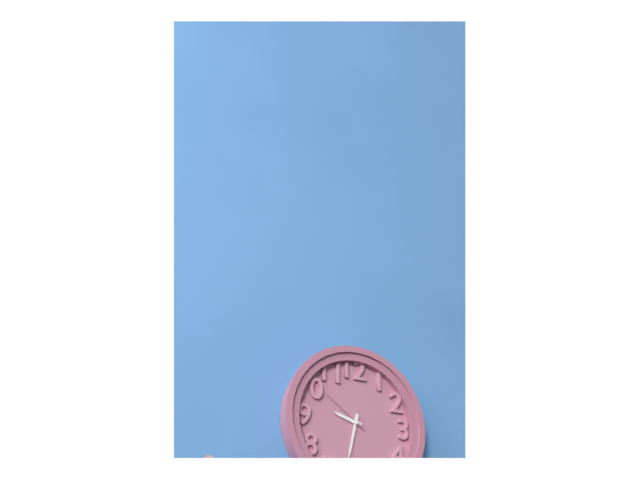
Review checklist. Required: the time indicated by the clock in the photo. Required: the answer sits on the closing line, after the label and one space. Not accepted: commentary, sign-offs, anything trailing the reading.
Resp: 9:32:51
